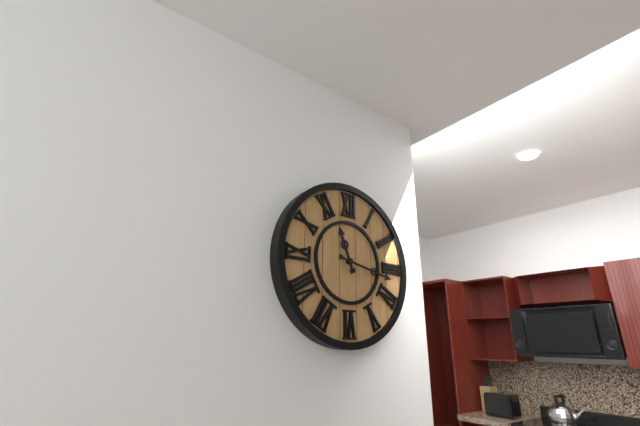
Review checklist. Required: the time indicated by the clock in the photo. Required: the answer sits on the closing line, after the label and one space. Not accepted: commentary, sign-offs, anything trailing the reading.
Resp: 11:17
